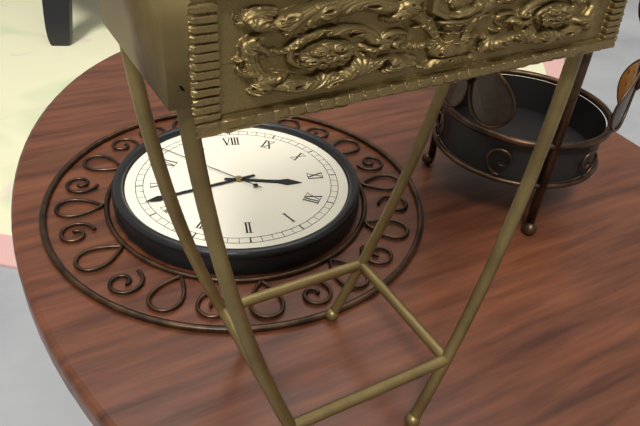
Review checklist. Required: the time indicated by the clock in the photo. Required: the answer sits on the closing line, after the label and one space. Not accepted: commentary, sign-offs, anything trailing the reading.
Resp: 11:22:32
